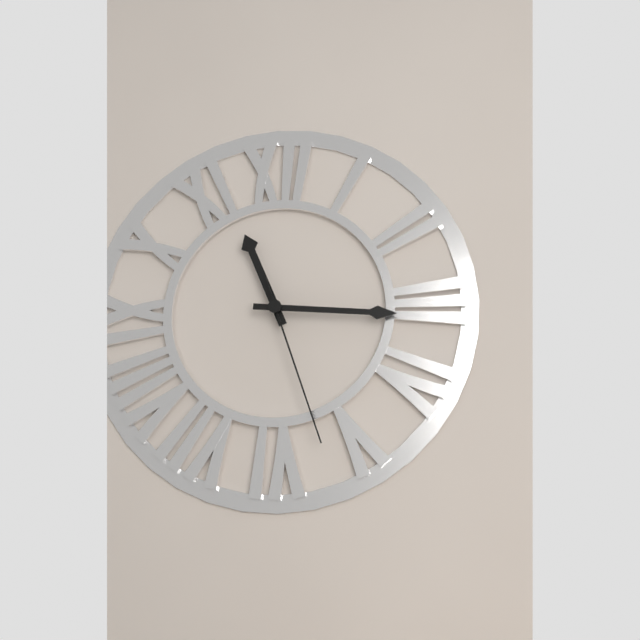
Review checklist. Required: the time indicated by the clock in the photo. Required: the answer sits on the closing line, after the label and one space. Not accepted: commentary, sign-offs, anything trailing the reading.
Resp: 11:16:27
